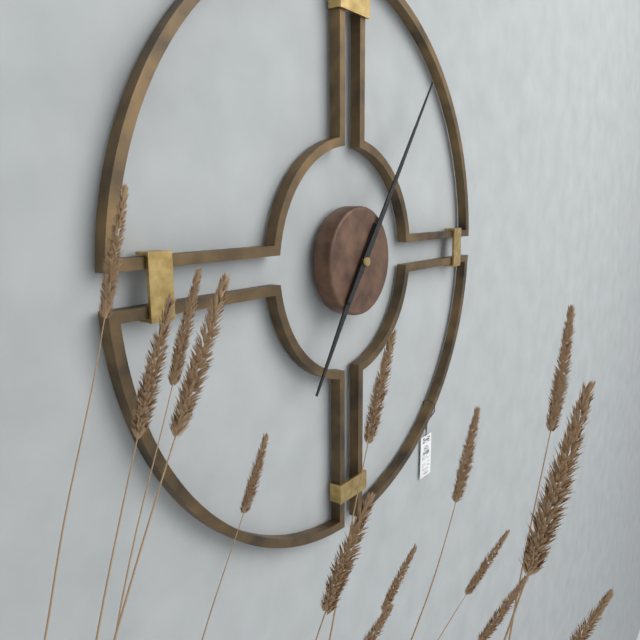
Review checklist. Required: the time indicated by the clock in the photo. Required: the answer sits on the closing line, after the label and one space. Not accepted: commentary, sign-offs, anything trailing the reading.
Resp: 7:06
